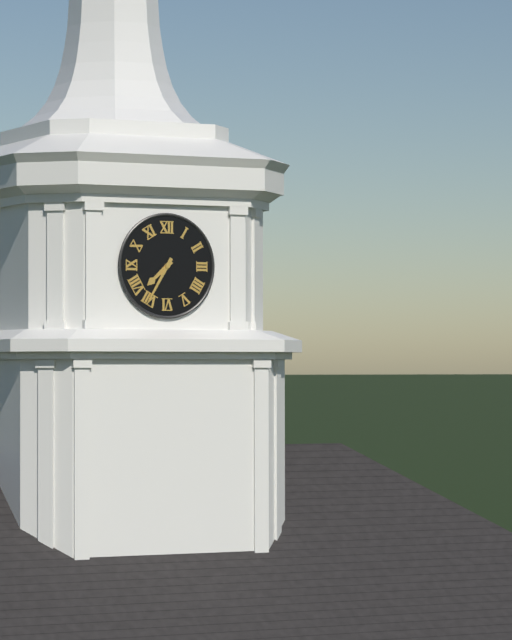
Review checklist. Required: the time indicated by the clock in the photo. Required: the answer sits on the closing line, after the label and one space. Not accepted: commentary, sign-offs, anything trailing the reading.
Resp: 7:35
